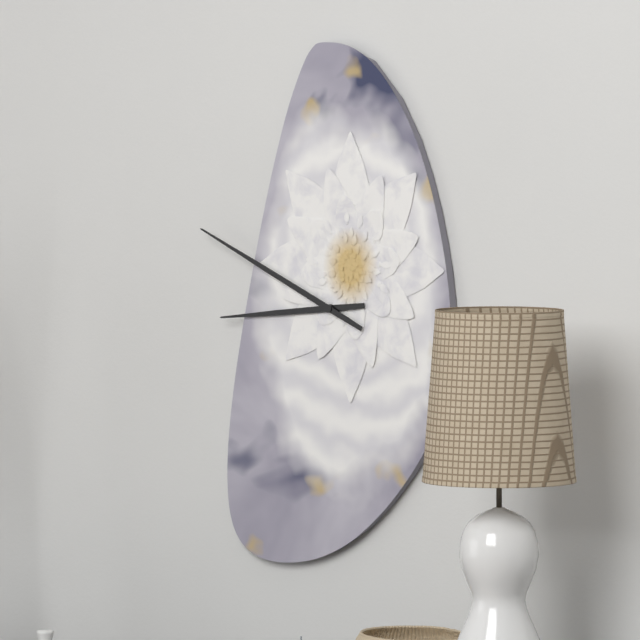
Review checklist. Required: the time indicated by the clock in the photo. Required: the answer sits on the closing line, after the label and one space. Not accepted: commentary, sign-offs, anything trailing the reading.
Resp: 8:49
